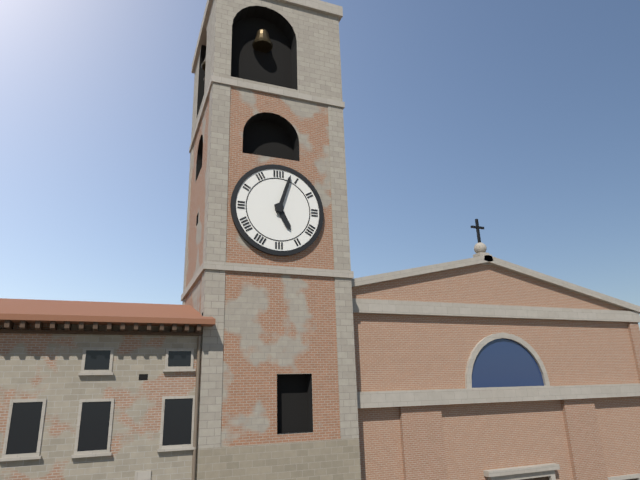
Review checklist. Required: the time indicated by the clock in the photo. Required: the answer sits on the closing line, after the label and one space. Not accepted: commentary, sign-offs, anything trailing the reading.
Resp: 5:03
